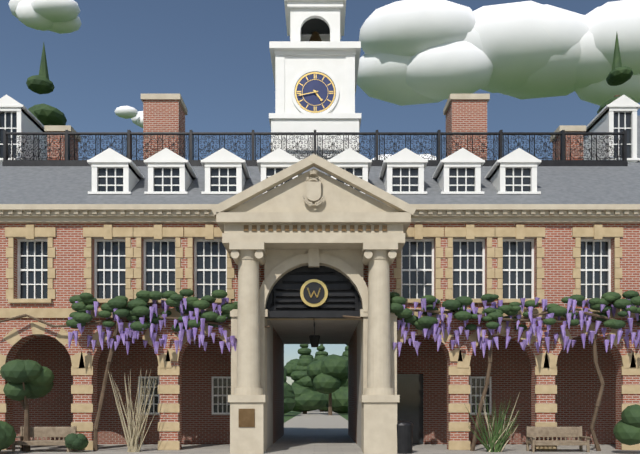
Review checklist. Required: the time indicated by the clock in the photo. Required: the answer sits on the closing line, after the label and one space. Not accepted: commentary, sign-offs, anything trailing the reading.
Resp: 4:43
